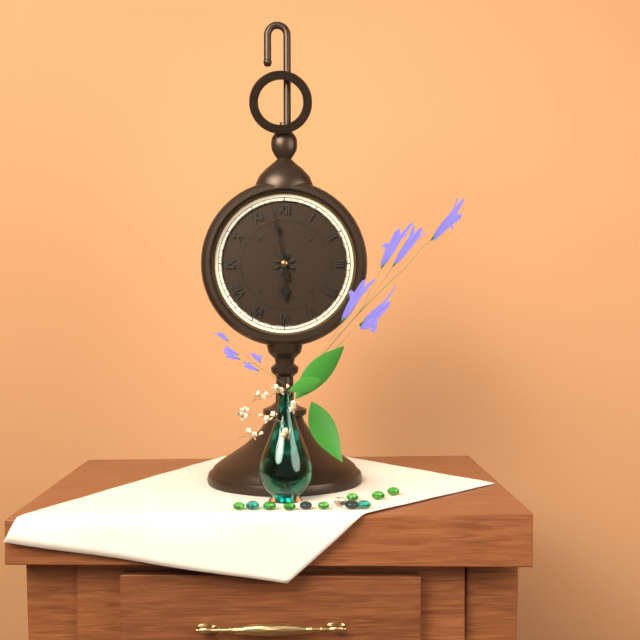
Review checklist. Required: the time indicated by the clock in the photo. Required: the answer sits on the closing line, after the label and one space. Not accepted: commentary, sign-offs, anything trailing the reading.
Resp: 5:58
